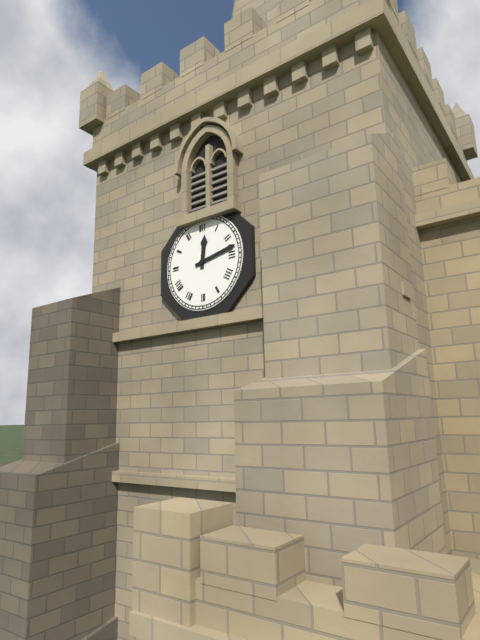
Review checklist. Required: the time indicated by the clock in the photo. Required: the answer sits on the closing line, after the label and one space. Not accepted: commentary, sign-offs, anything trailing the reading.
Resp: 12:13
